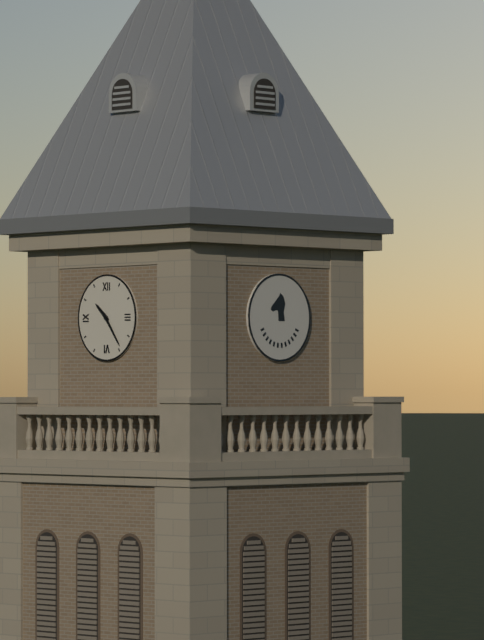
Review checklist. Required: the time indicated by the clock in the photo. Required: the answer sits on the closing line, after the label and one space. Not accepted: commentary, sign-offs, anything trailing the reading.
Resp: 10:24
